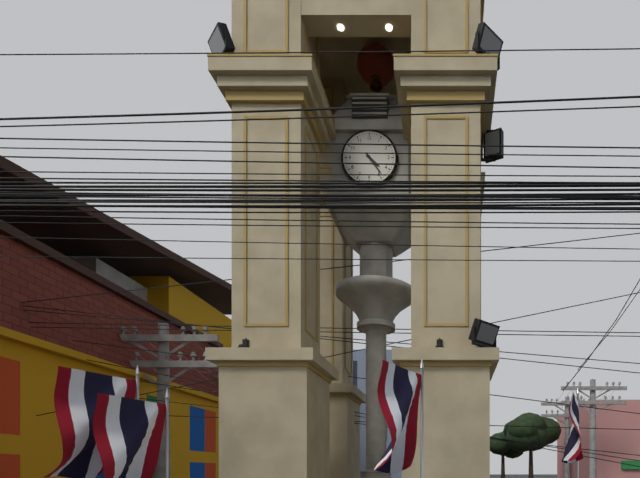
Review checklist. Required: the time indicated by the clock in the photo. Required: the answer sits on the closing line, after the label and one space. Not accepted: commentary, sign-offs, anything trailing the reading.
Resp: 4:24
